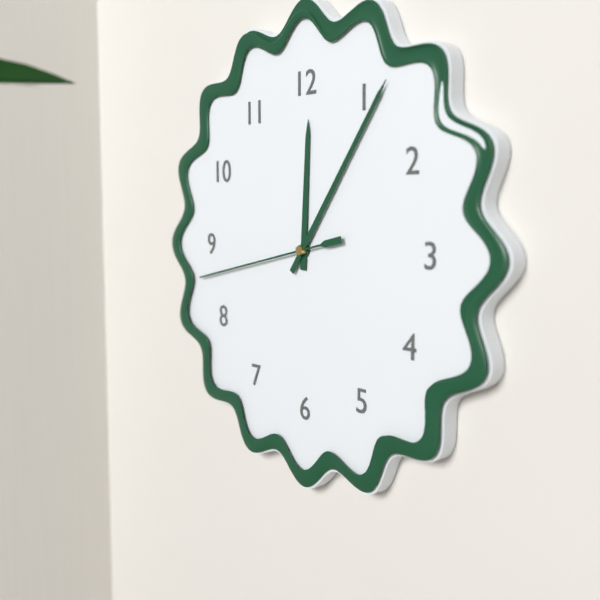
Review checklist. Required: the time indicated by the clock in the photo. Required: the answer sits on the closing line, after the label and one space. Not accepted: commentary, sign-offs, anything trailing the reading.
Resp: 12:06:43
